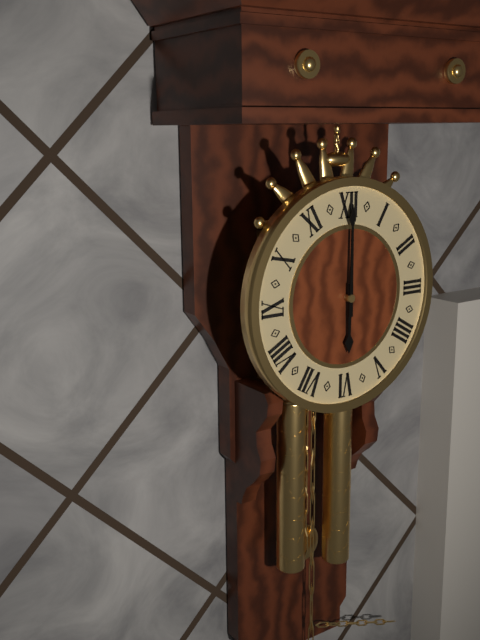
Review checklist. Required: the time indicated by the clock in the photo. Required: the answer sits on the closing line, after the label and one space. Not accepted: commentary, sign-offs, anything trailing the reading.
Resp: 6:00
